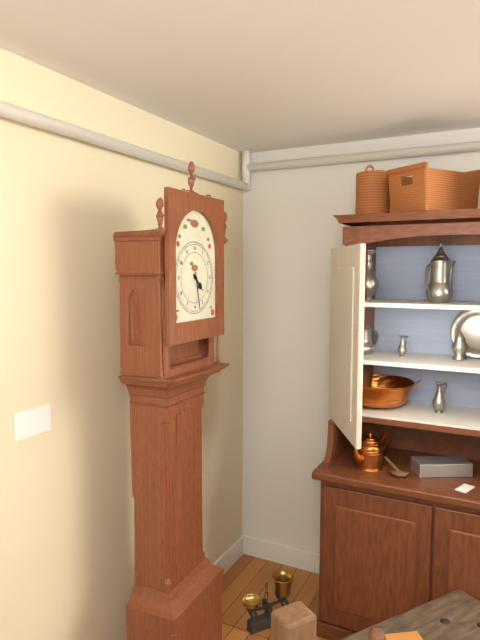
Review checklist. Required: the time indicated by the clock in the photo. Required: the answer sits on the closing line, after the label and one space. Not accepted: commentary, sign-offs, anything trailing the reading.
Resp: 4:28
